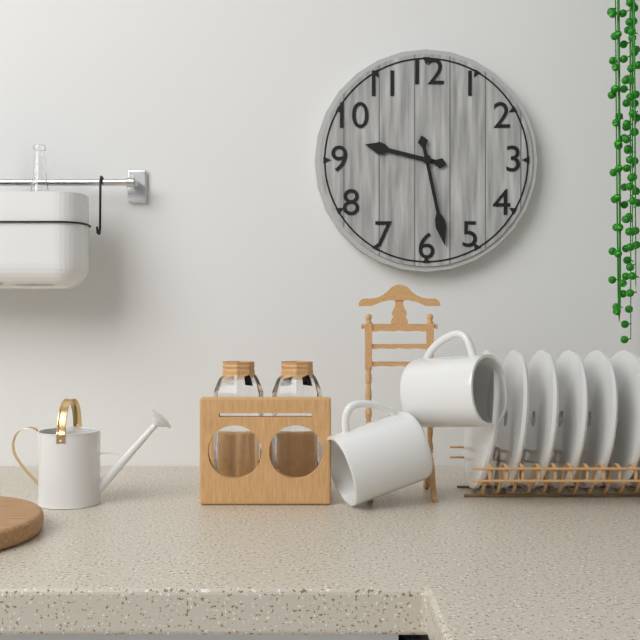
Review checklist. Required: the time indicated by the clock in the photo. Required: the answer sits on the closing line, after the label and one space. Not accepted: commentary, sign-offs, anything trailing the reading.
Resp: 9:28
